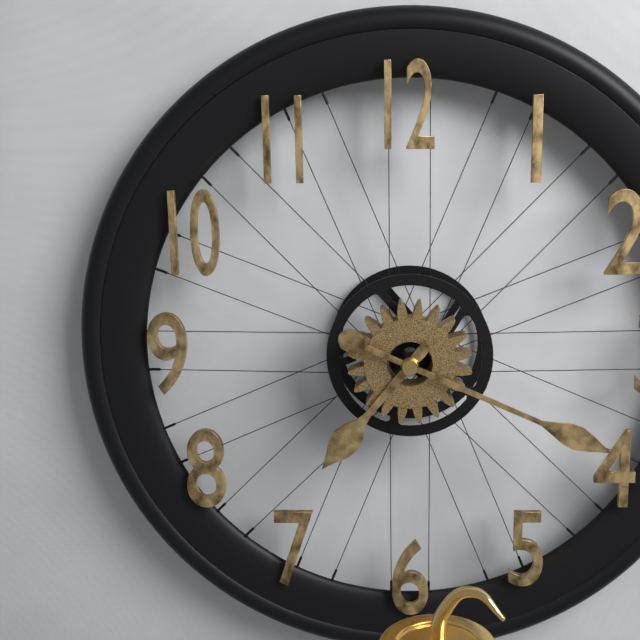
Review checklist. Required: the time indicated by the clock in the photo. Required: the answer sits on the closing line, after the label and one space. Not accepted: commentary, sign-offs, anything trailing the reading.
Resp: 7:19
